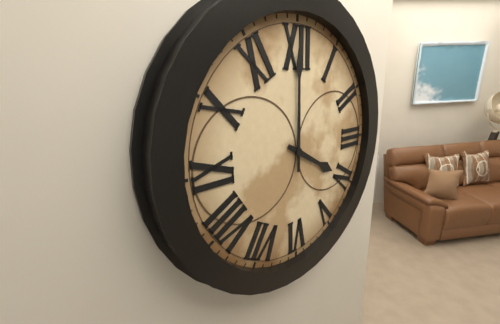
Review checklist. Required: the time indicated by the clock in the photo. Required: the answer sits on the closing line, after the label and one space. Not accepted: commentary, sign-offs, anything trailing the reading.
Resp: 4:00
